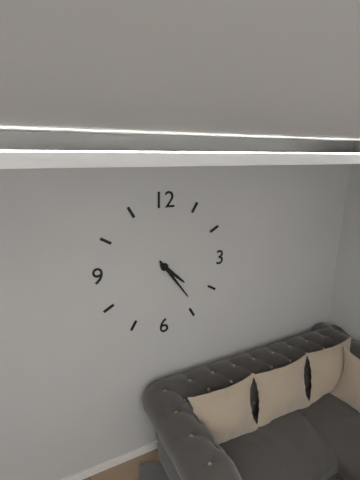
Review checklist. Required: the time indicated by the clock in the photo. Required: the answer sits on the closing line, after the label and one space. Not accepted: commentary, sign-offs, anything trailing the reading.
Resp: 4:24
